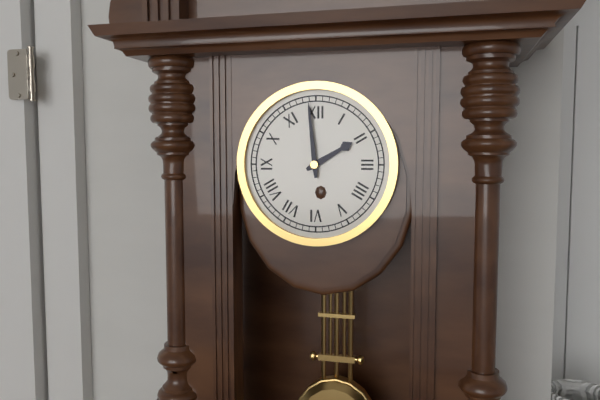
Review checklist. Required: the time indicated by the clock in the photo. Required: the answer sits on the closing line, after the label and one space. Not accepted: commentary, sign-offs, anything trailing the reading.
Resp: 1:59
